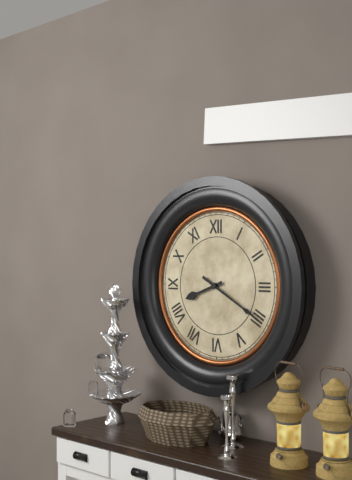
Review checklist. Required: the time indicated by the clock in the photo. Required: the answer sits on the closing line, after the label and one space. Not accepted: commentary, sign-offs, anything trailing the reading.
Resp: 8:20
